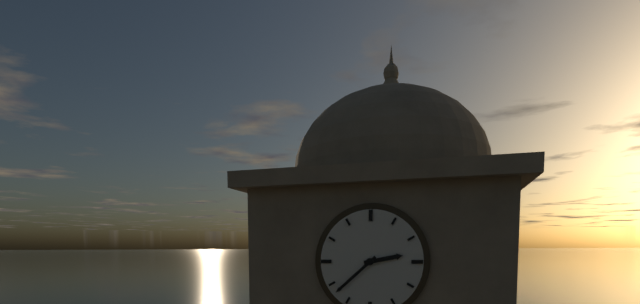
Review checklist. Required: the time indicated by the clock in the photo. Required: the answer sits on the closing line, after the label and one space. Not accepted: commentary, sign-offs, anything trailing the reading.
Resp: 2:38
